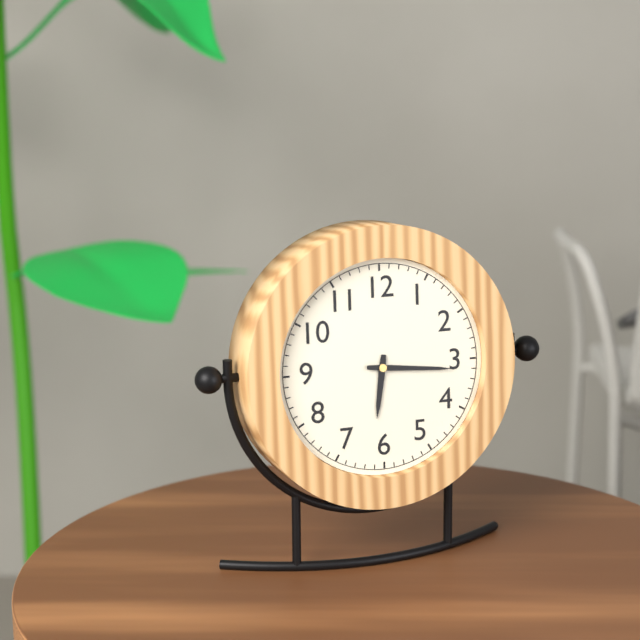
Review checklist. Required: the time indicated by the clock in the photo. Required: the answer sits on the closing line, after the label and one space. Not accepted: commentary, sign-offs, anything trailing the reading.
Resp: 6:16
